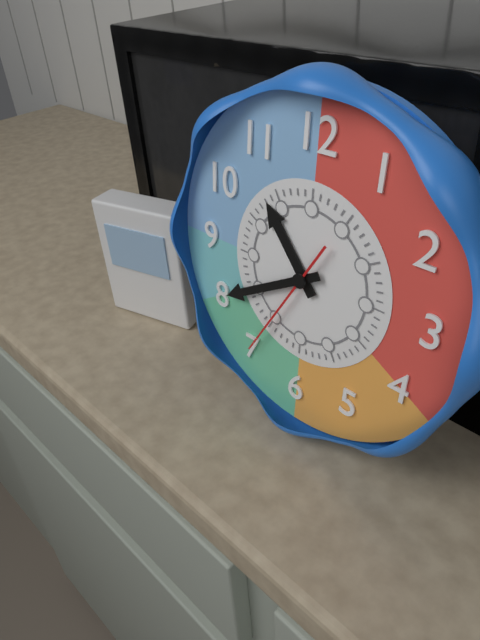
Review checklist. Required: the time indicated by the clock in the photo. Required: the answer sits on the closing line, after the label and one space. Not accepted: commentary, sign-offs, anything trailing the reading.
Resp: 10:40:35
